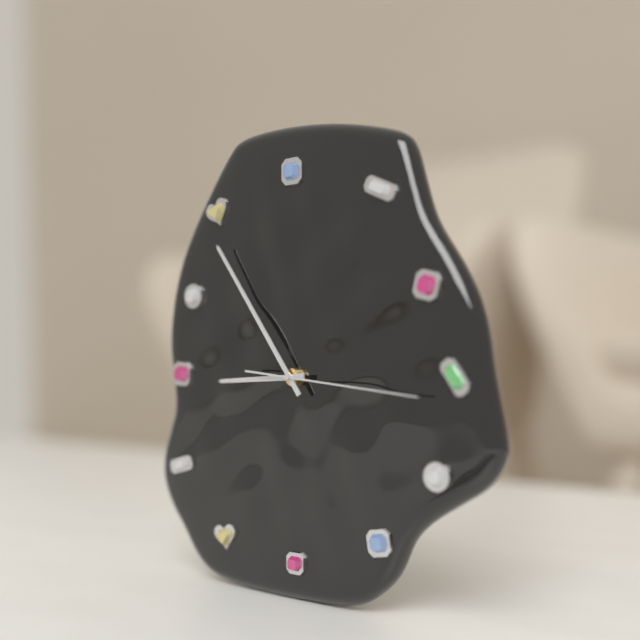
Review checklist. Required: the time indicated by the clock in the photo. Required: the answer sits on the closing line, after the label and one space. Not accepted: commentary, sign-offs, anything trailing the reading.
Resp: 8:54:16
